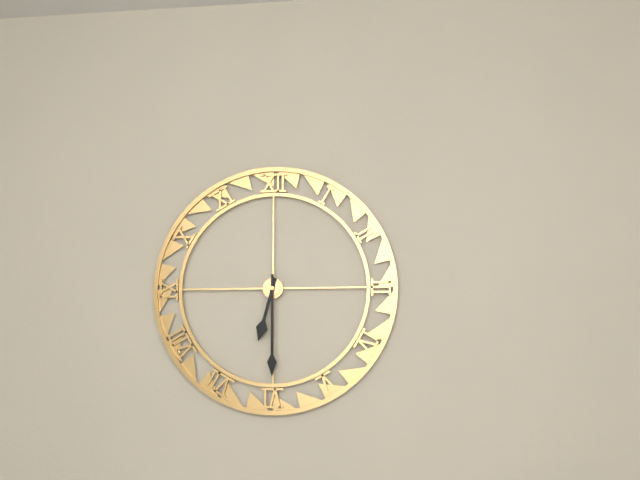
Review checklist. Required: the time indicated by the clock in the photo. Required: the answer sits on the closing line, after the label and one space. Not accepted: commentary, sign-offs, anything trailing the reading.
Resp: 6:30
